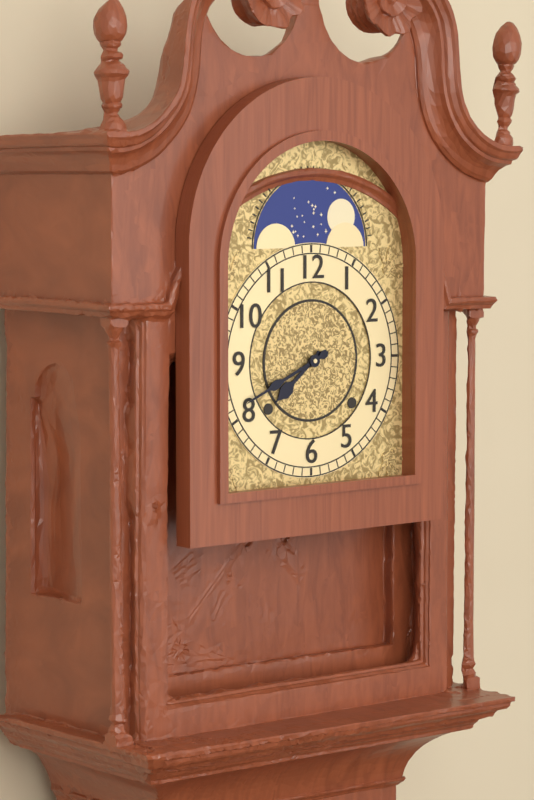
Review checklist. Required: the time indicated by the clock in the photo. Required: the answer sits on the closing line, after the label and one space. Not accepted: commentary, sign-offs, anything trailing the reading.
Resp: 7:41
